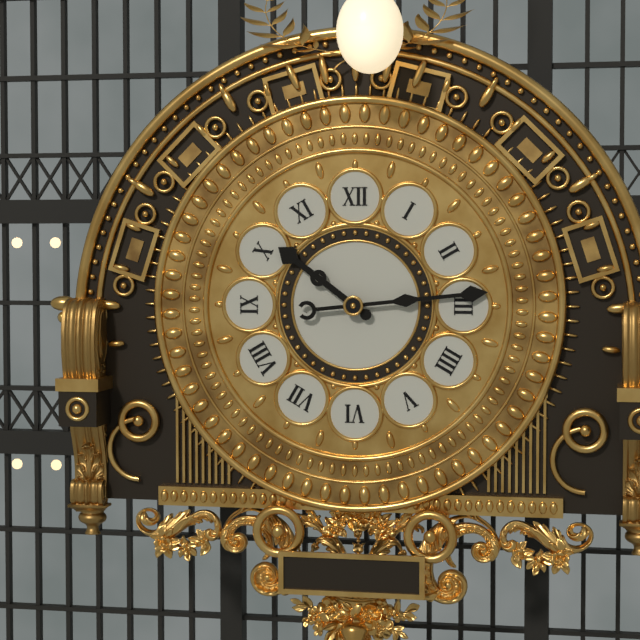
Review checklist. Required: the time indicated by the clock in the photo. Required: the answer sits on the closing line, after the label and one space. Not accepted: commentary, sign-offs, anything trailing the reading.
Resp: 10:14
